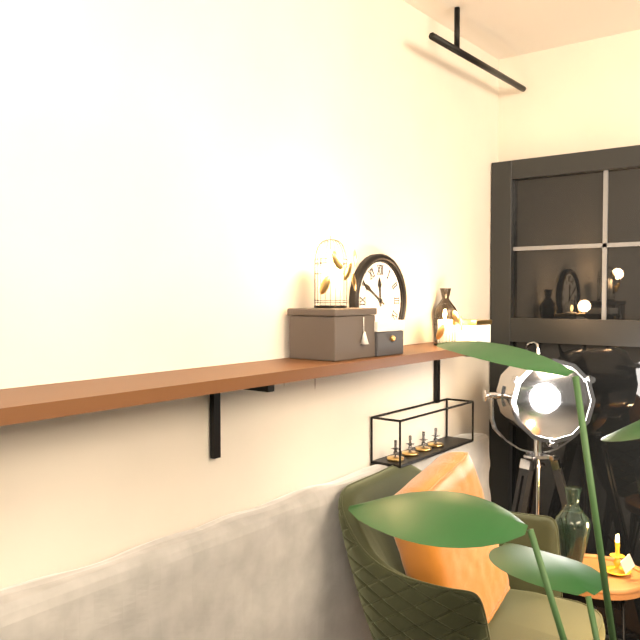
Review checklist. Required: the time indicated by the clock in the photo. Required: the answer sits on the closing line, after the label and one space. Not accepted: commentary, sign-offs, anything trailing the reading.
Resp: 11:50
